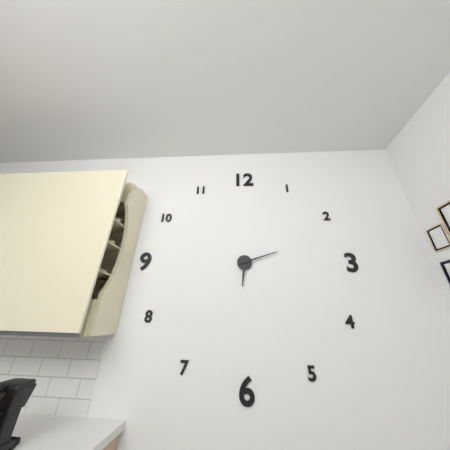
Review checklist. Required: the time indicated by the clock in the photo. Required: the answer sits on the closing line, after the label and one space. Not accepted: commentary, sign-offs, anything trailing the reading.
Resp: 6:12
